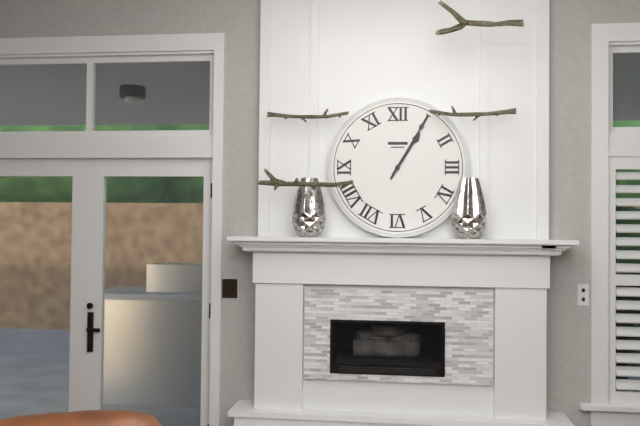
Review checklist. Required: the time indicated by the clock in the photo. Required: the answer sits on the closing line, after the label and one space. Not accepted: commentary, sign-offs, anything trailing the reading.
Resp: 1:05
